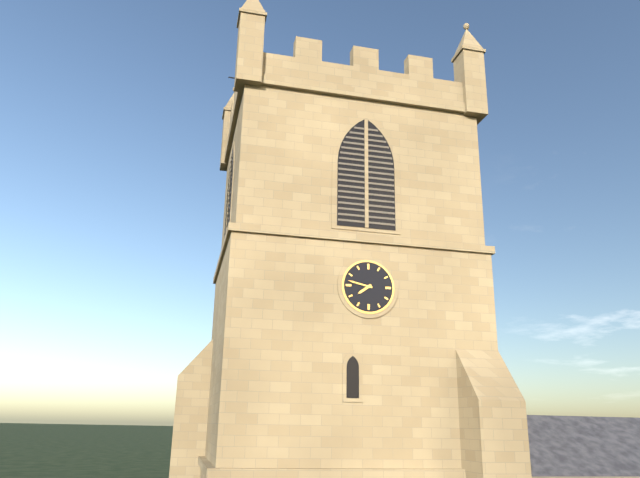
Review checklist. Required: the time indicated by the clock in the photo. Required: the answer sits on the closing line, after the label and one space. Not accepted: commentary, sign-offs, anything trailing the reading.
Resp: 7:47
